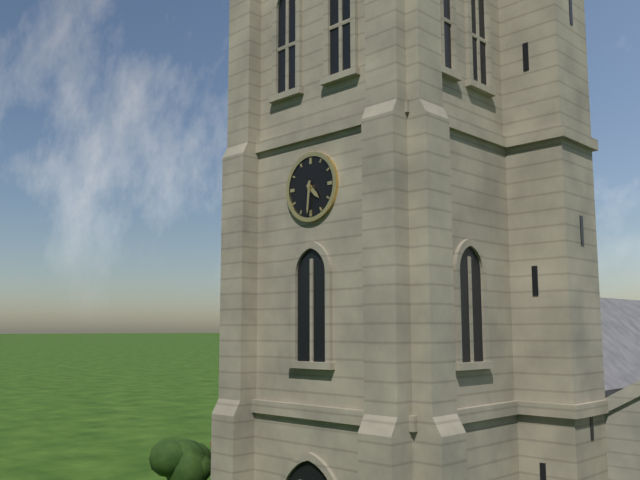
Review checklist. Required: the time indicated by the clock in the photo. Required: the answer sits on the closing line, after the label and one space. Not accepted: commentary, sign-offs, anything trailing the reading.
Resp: 4:31
